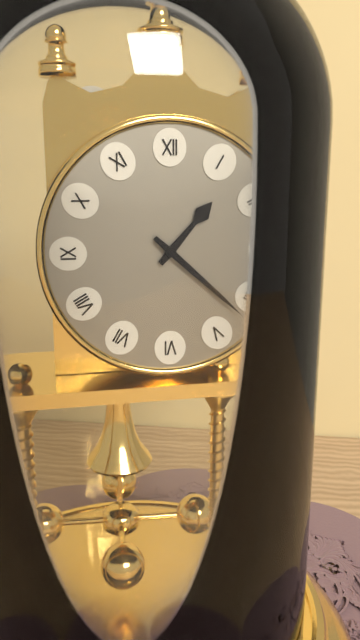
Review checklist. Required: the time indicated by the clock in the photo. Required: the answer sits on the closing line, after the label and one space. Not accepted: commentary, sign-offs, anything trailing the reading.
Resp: 1:22
